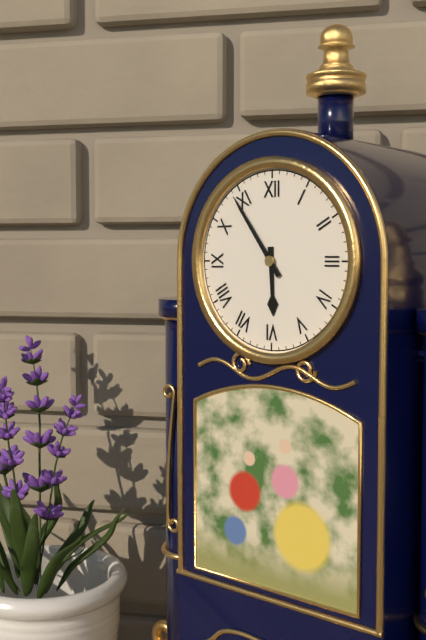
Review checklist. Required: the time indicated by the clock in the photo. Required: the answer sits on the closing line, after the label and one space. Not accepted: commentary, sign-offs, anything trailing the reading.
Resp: 5:54
